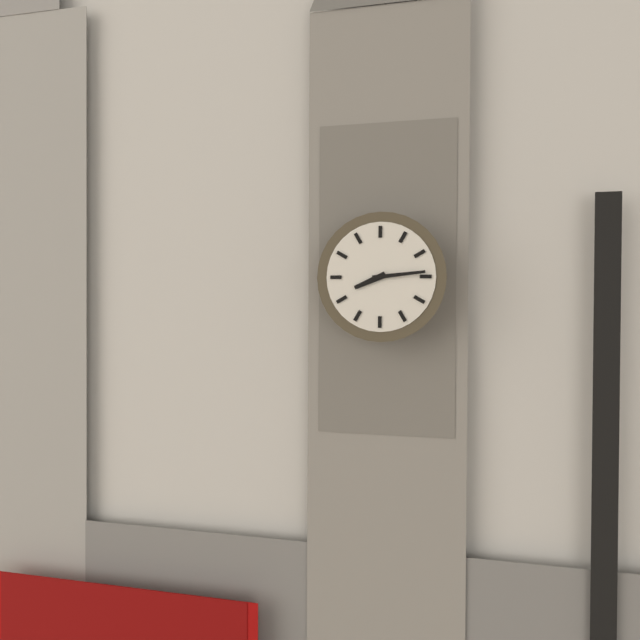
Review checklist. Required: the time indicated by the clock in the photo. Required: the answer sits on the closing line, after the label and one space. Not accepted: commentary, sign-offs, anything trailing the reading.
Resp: 8:14
